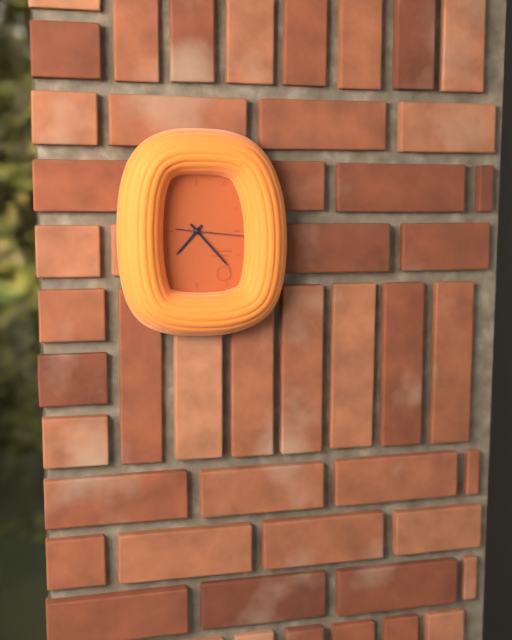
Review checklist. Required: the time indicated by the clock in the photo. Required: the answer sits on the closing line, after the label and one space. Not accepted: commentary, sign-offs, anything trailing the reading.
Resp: 7:23:16
